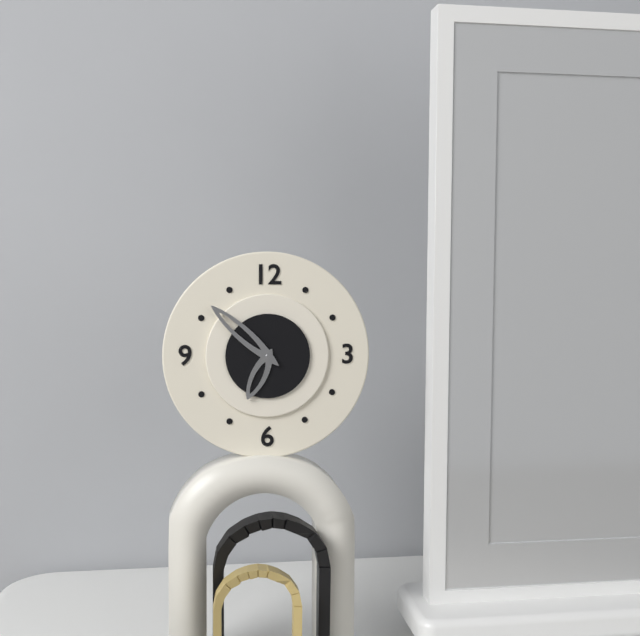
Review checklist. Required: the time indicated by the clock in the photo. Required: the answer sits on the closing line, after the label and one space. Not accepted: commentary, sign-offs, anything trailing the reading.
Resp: 6:52
